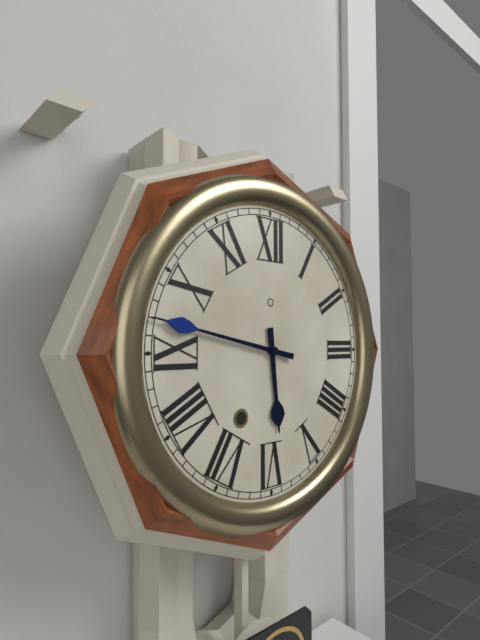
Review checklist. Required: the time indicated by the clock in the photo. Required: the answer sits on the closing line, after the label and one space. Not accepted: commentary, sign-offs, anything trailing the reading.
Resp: 5:47
